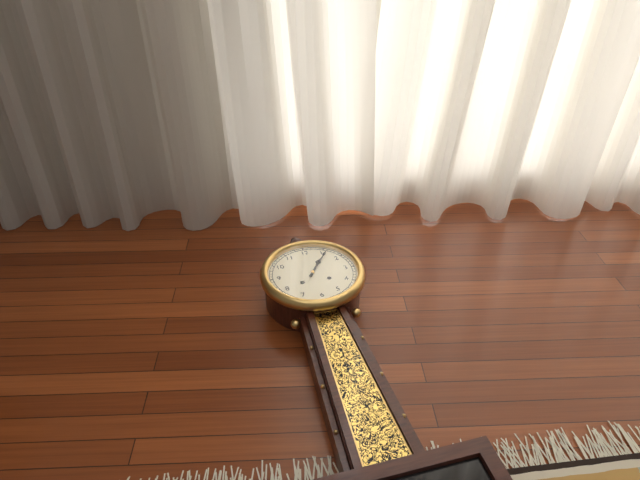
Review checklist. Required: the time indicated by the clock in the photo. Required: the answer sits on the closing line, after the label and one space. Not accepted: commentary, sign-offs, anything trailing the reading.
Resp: 1:06
